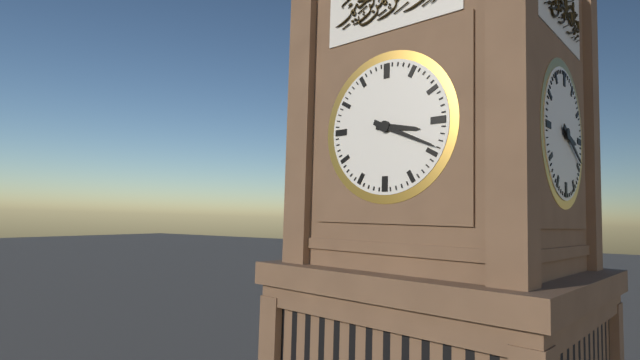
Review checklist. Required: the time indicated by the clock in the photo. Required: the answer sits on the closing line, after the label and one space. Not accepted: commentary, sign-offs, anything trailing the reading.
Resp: 3:19
